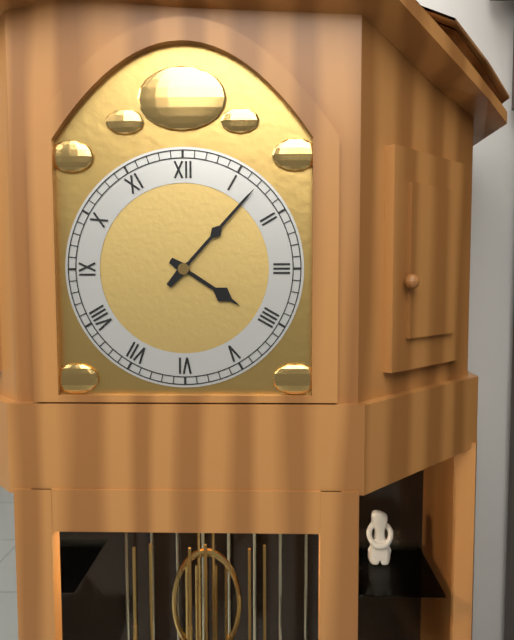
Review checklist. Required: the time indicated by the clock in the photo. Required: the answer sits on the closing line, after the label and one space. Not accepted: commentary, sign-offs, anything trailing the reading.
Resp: 4:07
